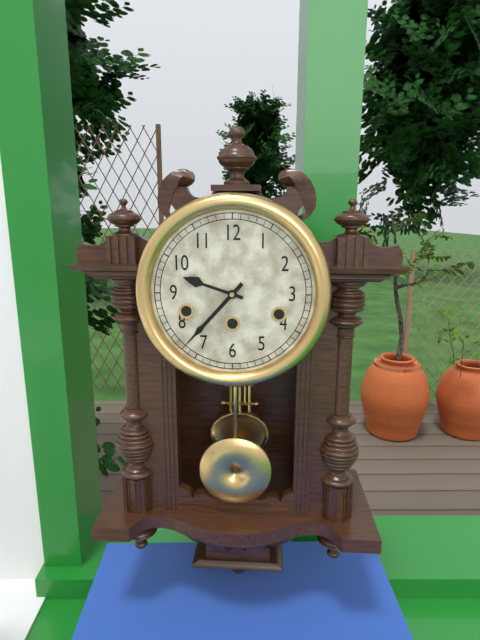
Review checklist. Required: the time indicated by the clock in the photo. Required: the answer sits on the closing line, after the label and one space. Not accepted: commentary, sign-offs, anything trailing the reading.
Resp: 9:37
